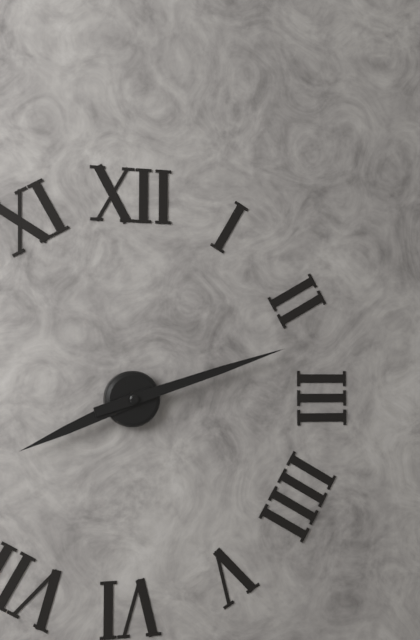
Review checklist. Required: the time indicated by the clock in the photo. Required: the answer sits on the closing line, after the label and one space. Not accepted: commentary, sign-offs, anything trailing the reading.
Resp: 8:12
